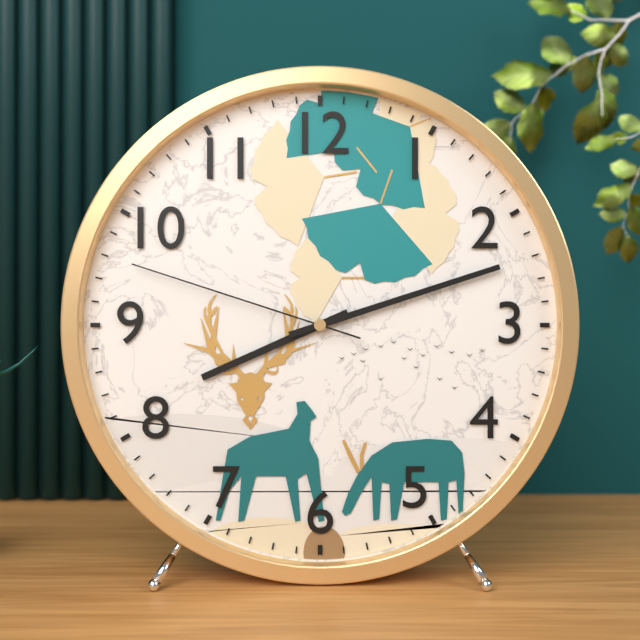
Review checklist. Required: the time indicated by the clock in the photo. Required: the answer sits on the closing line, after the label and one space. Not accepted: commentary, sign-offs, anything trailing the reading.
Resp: 8:12:48
